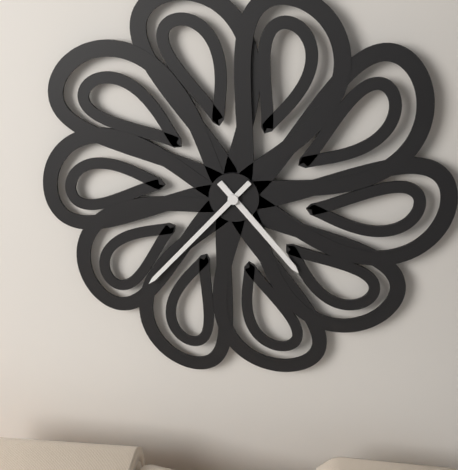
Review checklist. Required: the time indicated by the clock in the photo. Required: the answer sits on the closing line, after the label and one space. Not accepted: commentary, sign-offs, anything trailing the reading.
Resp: 4:37
